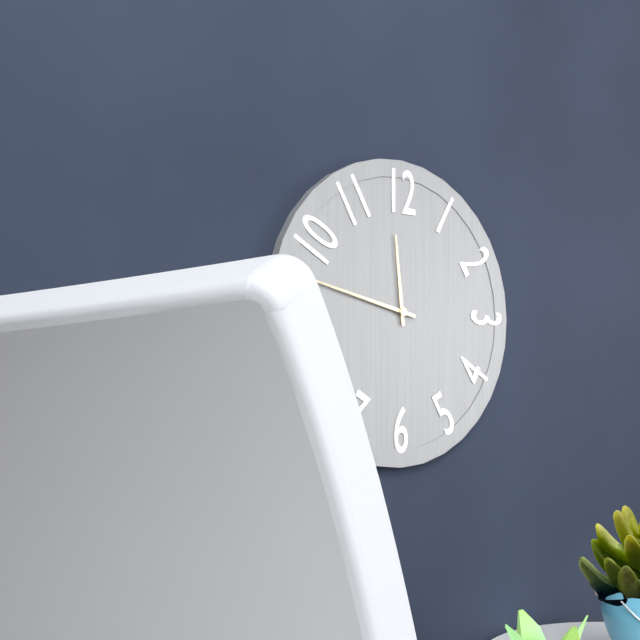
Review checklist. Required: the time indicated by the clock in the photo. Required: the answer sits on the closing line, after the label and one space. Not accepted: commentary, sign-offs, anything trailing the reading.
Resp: 11:47
